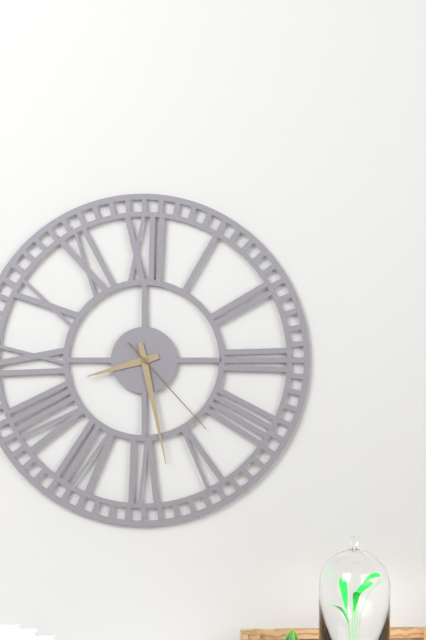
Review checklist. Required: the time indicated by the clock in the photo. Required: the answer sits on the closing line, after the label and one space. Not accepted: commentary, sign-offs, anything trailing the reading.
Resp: 8:28:23
